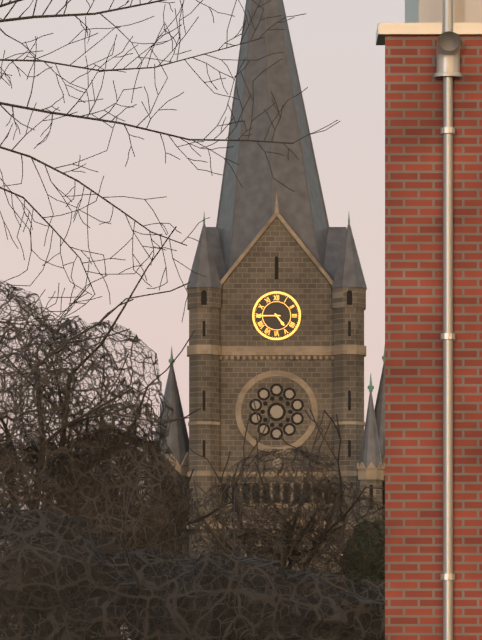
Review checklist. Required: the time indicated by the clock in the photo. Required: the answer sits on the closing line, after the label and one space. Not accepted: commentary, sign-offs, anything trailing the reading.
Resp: 4:45
